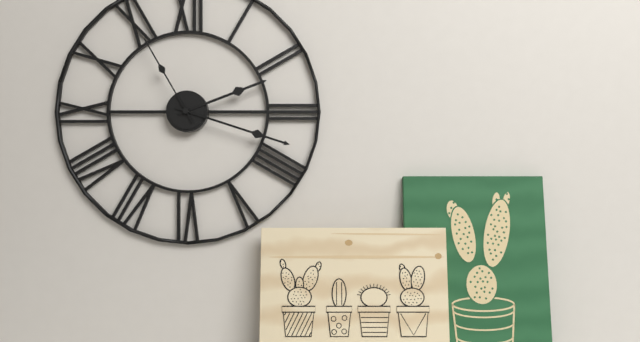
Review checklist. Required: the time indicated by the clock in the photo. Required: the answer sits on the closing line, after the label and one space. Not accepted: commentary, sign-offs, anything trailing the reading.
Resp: 2:18:55
